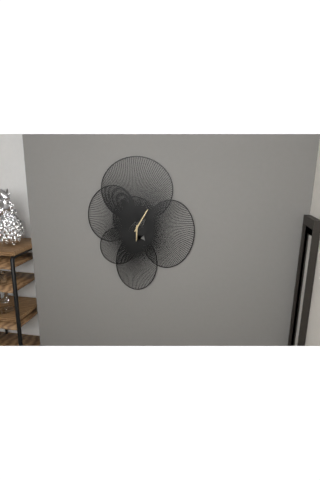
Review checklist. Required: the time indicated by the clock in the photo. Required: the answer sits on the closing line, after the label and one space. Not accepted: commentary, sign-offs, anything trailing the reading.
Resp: 6:05
